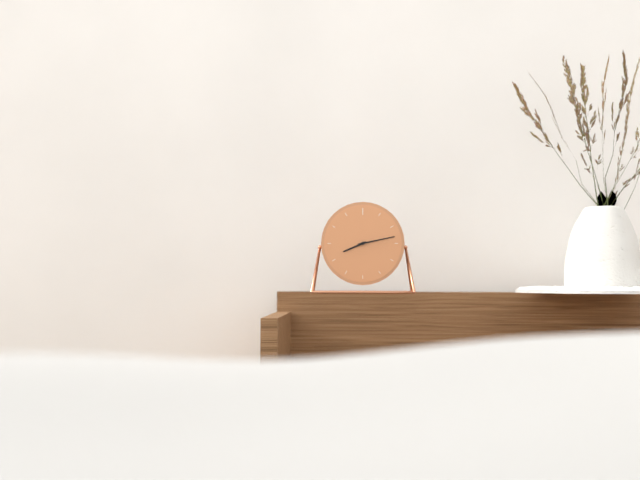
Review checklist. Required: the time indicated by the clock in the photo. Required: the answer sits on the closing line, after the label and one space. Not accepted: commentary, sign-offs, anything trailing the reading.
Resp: 8:13
